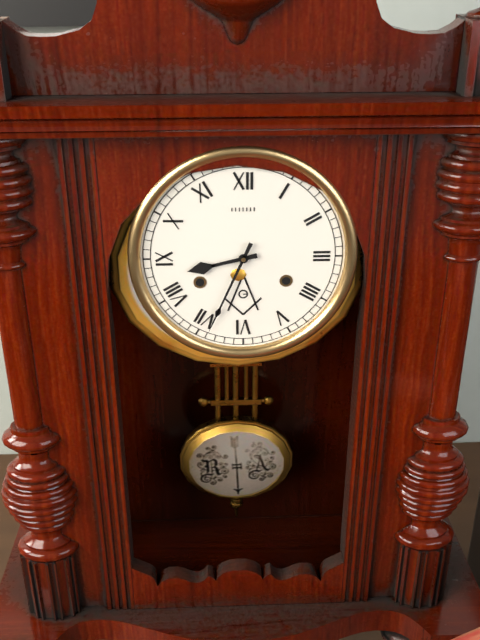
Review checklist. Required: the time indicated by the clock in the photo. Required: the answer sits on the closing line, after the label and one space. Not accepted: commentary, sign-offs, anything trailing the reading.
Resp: 8:34
